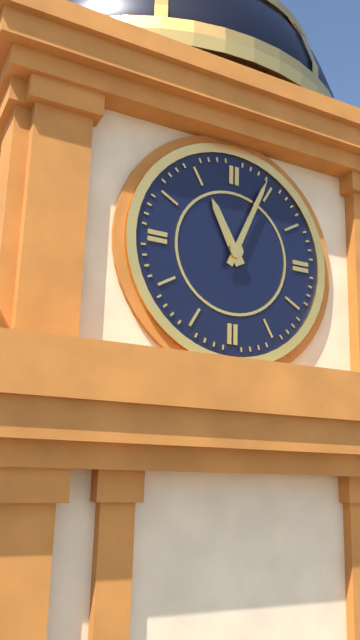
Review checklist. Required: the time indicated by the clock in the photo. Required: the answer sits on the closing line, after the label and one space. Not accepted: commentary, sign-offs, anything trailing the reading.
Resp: 11:04
